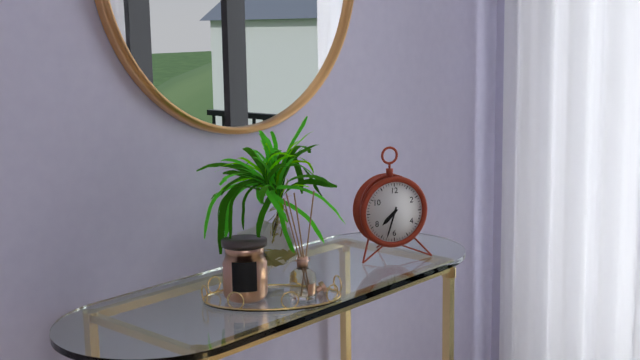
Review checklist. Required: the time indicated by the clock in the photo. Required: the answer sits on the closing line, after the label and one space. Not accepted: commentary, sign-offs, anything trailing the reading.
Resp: 7:33
